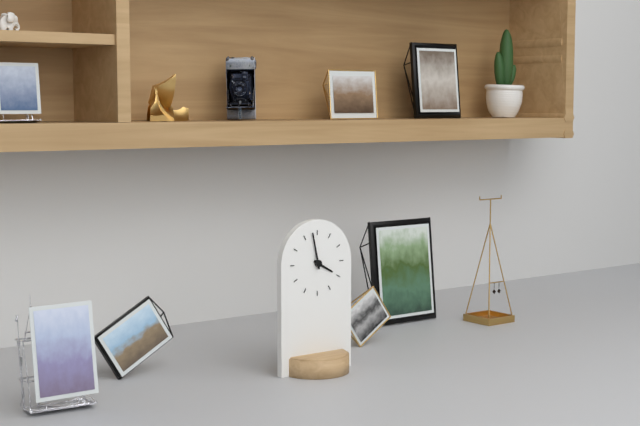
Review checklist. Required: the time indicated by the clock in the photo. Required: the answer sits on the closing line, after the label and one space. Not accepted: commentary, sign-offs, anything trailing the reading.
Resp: 3:58
